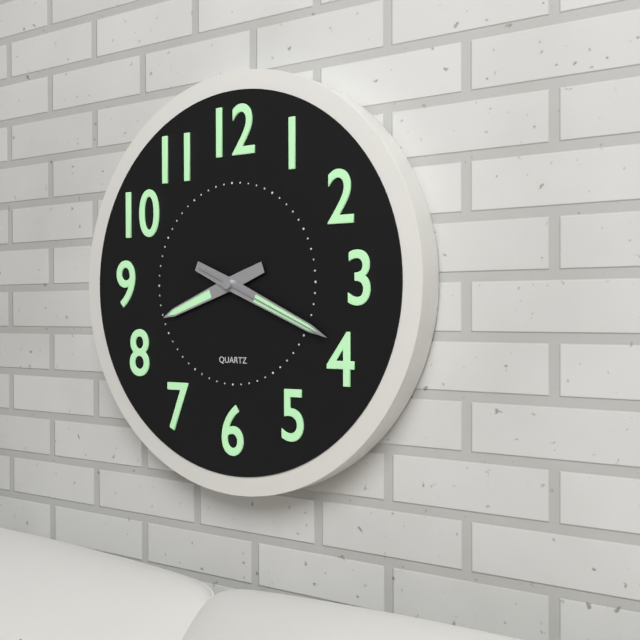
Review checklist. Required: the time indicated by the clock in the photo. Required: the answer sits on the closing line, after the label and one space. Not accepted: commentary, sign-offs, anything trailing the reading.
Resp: 8:19:19
